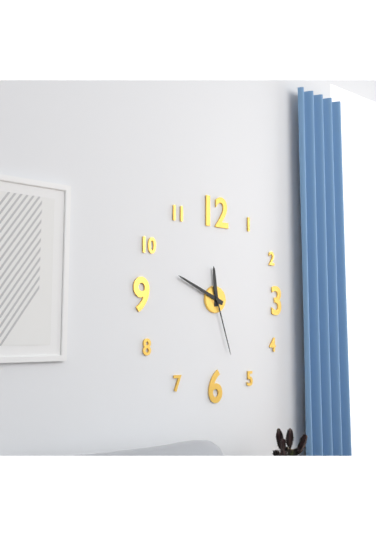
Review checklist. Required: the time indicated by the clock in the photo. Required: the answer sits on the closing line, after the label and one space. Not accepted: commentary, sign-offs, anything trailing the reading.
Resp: 11:49:27
